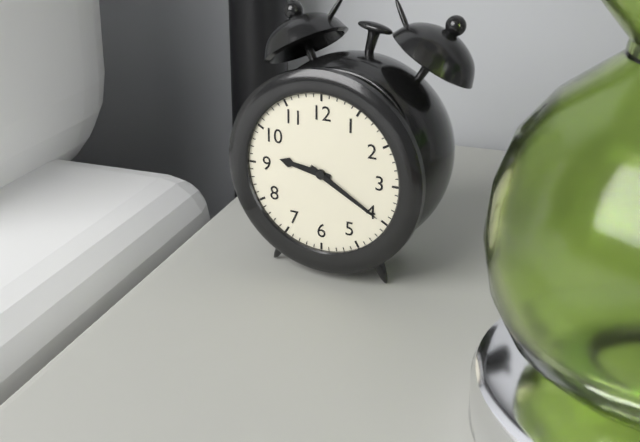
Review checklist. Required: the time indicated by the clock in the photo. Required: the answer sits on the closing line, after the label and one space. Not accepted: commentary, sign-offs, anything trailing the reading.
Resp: 9:20
